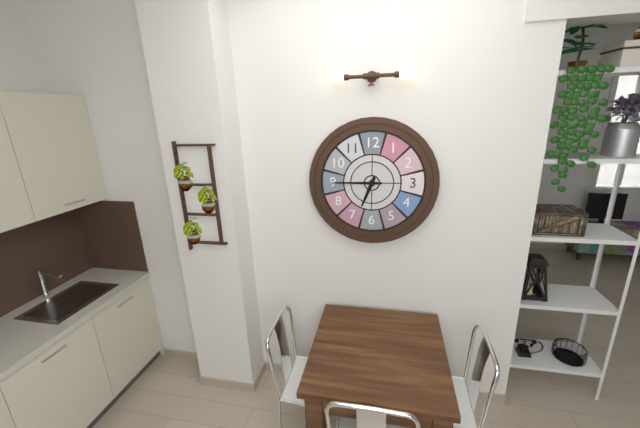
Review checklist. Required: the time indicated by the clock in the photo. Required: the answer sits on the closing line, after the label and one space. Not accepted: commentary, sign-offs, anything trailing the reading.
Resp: 6:45
